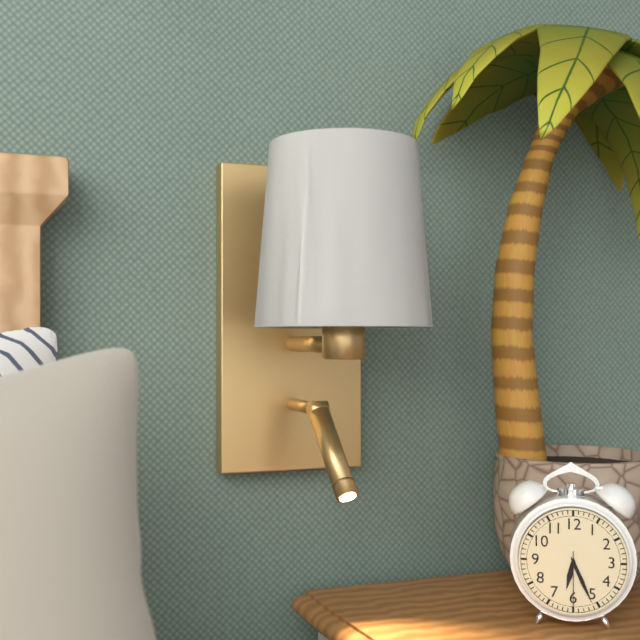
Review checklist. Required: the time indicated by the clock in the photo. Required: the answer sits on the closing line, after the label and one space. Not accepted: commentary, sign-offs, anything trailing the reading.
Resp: 6:26:30
